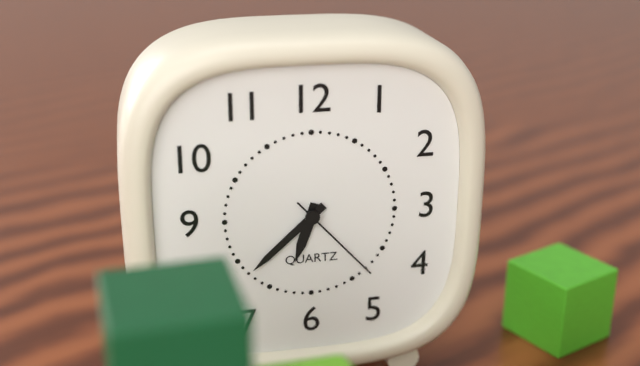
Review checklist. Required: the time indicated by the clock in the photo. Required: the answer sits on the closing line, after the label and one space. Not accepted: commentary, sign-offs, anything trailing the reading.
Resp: 6:38:23
